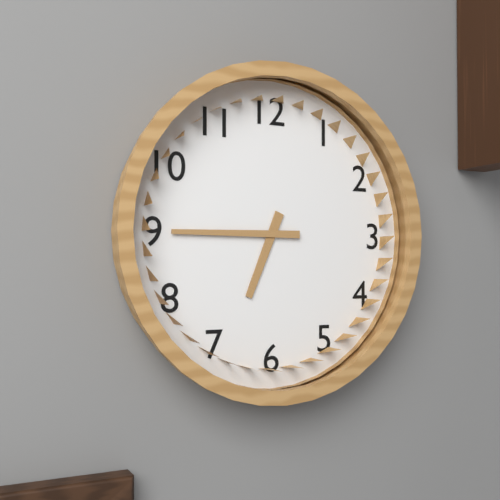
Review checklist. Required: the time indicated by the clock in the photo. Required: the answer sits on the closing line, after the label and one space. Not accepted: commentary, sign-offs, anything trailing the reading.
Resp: 6:45
